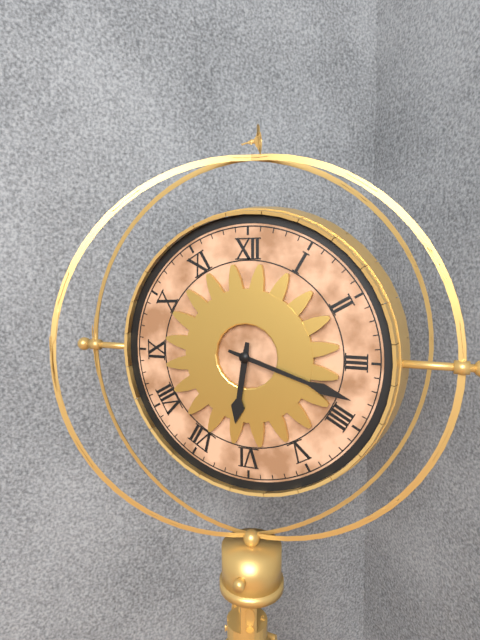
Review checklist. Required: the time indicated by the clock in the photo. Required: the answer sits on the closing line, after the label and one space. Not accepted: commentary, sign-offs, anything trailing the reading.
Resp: 6:18
